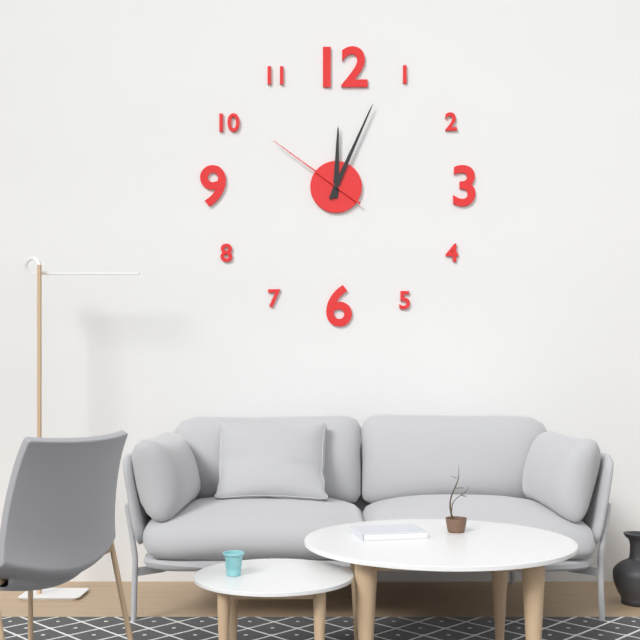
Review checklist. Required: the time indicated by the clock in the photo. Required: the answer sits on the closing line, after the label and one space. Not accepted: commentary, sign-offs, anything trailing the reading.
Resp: 12:04:51
